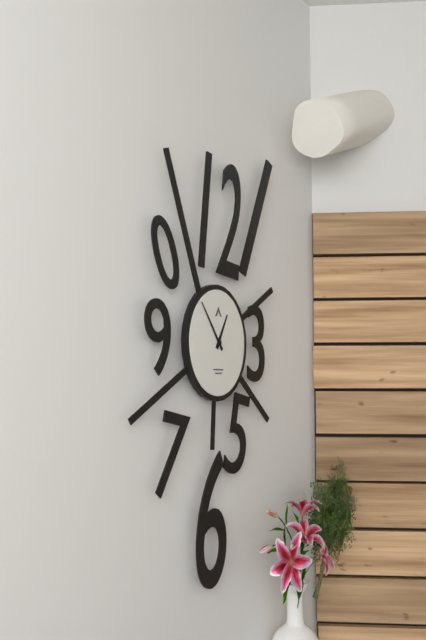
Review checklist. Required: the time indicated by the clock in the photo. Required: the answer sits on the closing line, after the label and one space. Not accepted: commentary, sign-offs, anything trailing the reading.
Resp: 12:54
